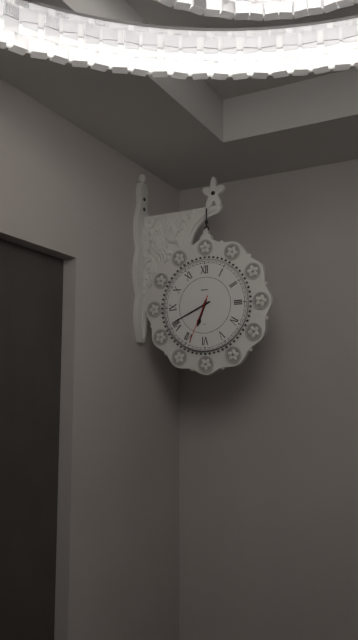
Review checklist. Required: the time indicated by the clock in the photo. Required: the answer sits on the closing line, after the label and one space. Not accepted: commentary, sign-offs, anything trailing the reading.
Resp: 6:41:34
